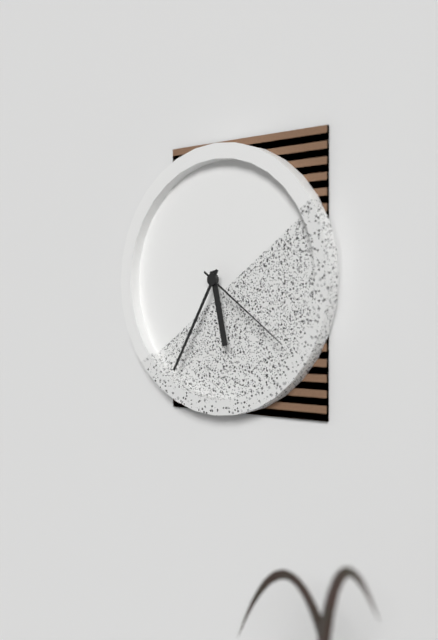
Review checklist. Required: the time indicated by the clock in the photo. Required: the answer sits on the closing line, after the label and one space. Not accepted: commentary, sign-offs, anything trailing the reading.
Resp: 5:35:21
